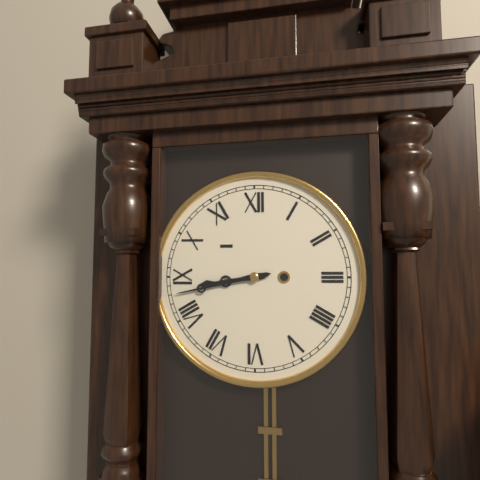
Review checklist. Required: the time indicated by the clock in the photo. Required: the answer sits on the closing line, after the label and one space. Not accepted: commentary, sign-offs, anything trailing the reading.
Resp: 8:43
